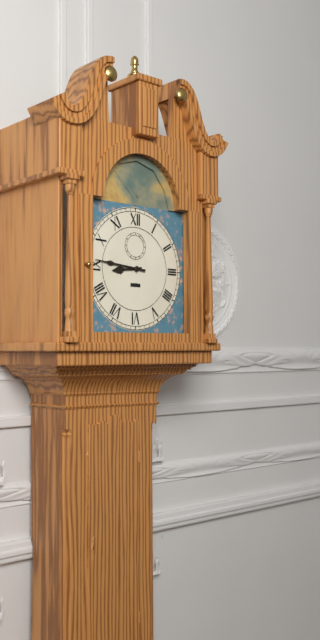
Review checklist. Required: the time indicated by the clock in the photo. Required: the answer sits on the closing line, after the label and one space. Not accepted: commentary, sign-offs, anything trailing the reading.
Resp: 8:46
